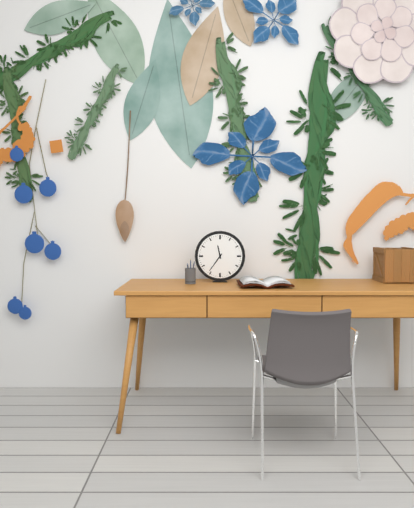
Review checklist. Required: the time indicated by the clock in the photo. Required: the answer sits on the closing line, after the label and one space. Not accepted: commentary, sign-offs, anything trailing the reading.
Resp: 11:36
